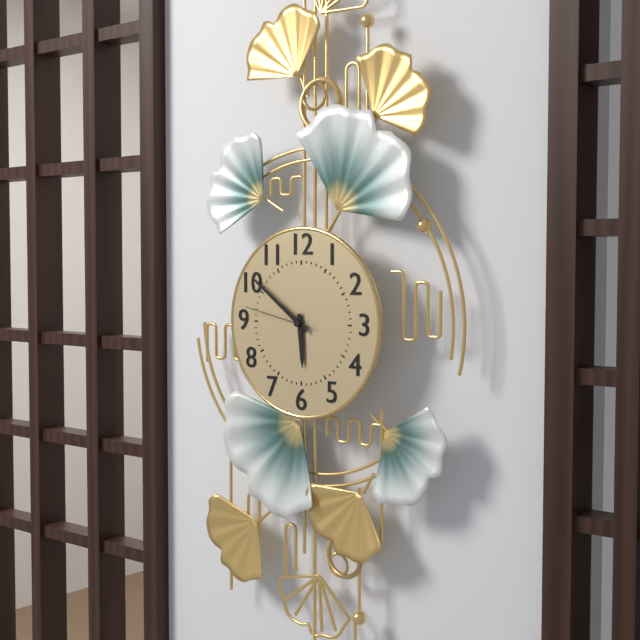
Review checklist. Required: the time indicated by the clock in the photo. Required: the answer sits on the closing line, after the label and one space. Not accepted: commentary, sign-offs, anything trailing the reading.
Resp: 5:51:47
